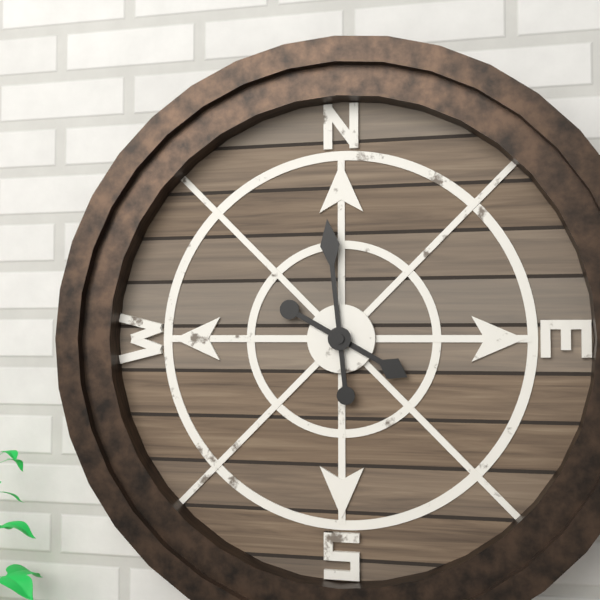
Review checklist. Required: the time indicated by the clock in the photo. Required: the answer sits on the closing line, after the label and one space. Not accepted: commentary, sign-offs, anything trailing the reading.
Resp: 3:59
